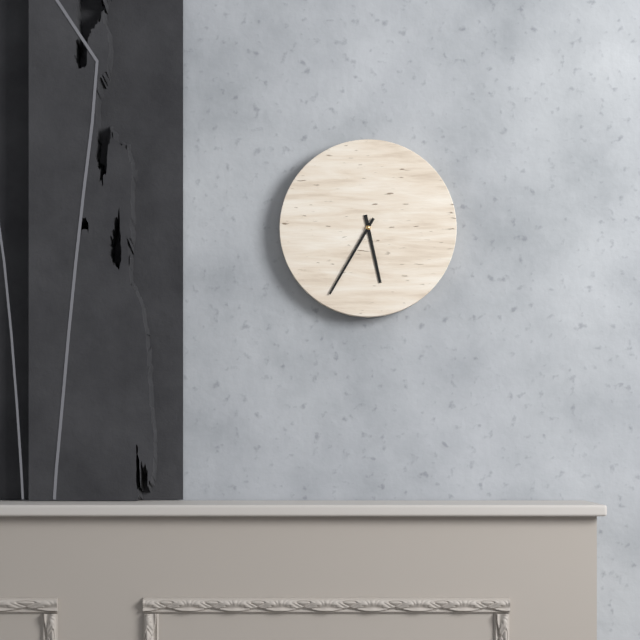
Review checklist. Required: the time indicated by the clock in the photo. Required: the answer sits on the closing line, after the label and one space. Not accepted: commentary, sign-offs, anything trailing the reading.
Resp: 5:35
